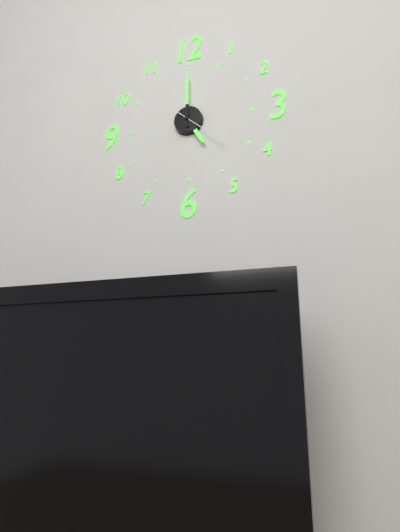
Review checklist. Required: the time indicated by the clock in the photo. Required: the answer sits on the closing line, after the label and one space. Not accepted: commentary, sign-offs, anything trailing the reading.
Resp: 5:00:22
